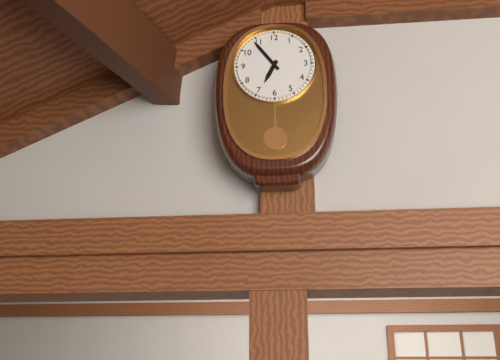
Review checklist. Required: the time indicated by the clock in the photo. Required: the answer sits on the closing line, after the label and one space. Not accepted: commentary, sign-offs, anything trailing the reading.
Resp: 6:54
